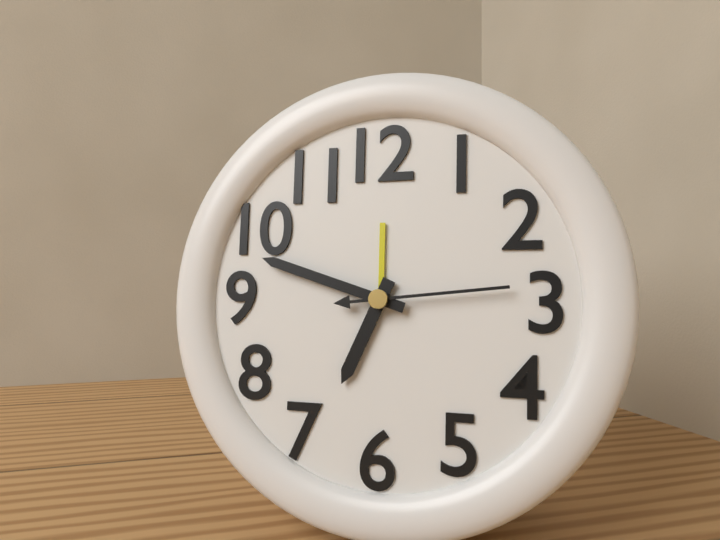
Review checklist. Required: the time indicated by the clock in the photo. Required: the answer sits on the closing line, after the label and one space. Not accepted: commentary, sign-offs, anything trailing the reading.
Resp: 6:48:14
